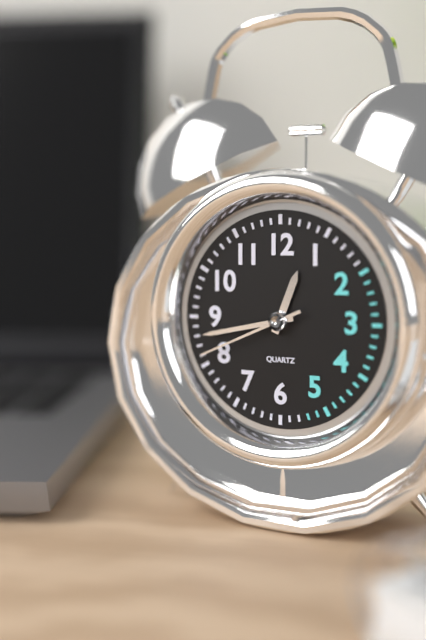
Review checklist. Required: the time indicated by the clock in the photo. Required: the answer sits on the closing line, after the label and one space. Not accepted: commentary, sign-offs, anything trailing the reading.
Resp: 12:43:41
